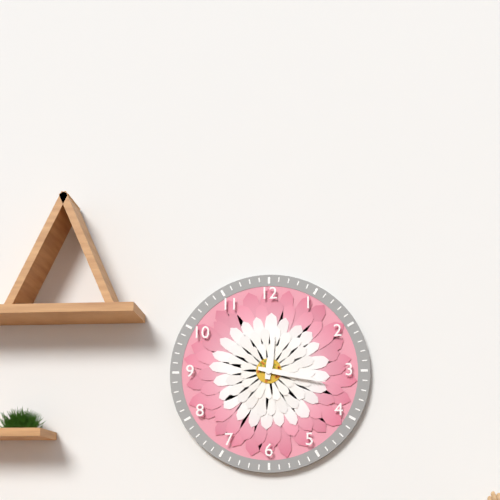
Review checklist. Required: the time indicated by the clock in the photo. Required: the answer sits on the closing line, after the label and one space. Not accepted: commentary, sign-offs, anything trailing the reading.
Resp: 12:17
